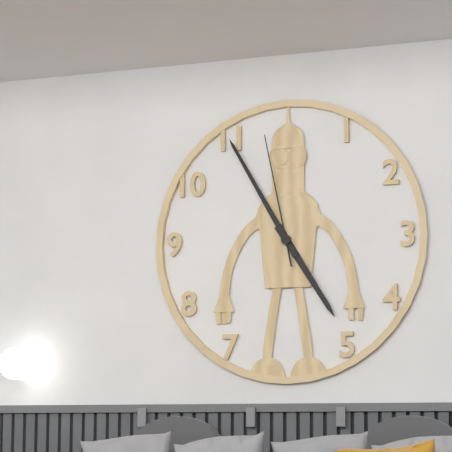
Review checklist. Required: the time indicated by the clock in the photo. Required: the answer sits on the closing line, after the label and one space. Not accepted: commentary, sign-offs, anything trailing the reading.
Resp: 4:55:58
